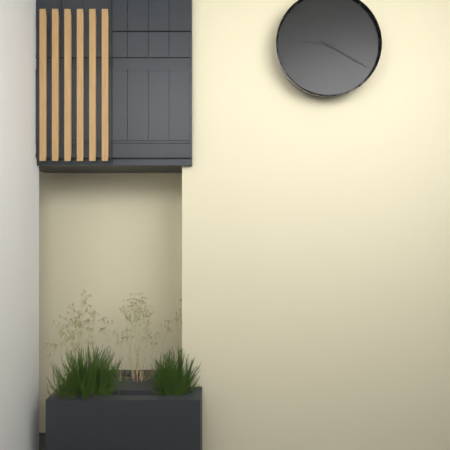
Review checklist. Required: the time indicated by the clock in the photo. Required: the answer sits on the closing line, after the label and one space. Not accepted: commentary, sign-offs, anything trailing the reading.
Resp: 9:20
